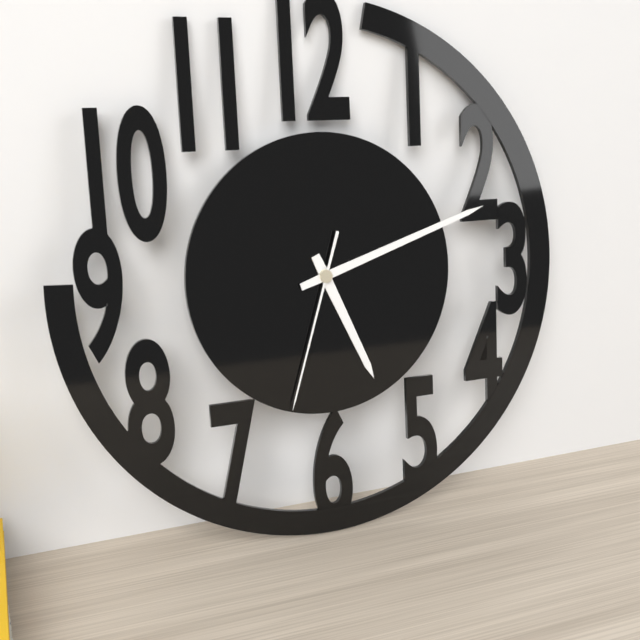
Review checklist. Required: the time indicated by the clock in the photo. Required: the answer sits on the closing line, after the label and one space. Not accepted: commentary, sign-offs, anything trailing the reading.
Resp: 5:12:33
